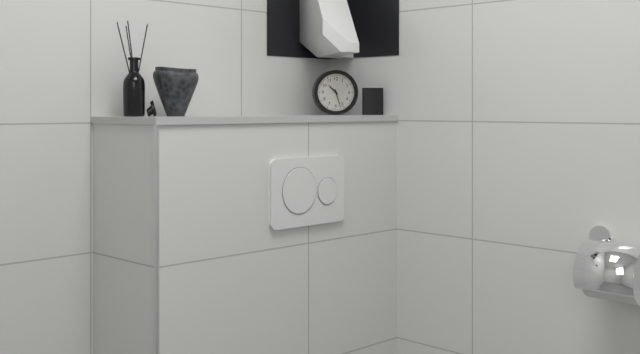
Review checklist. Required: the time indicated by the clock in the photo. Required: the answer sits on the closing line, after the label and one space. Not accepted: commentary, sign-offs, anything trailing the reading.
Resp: 10:27
